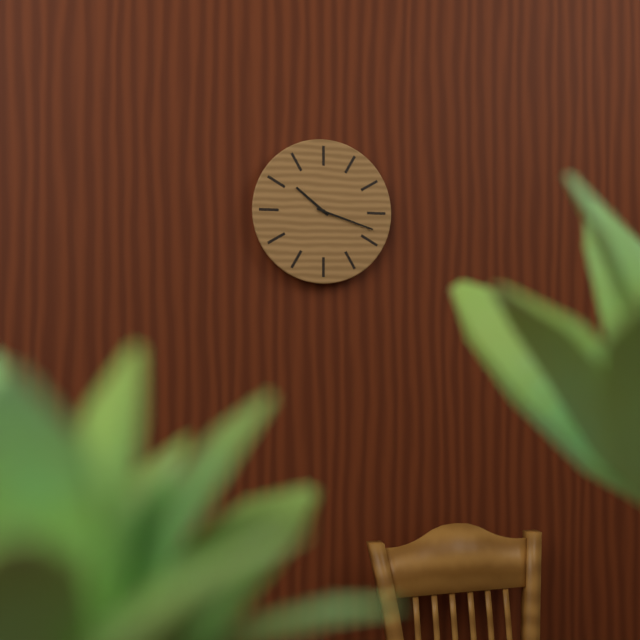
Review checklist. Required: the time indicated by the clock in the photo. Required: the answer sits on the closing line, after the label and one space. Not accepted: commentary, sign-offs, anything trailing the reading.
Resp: 10:18
